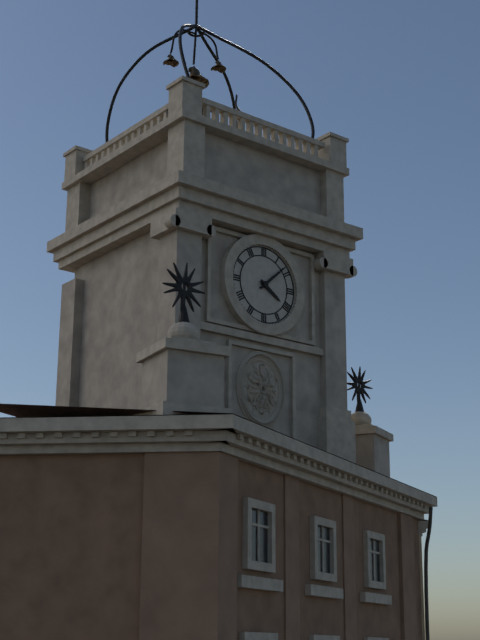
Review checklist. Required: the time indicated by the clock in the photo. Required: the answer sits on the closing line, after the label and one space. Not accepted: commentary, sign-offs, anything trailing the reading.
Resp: 4:08
